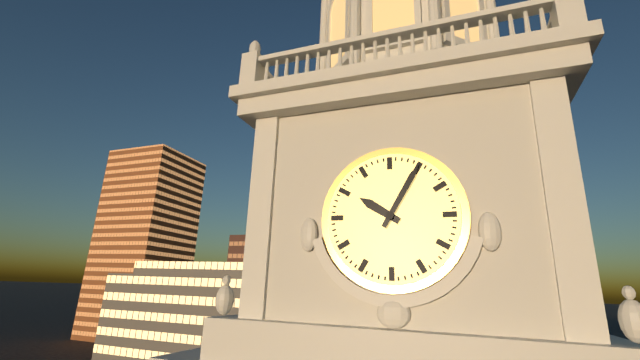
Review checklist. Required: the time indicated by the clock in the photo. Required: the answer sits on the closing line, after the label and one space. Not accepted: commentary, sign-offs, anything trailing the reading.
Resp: 10:05
